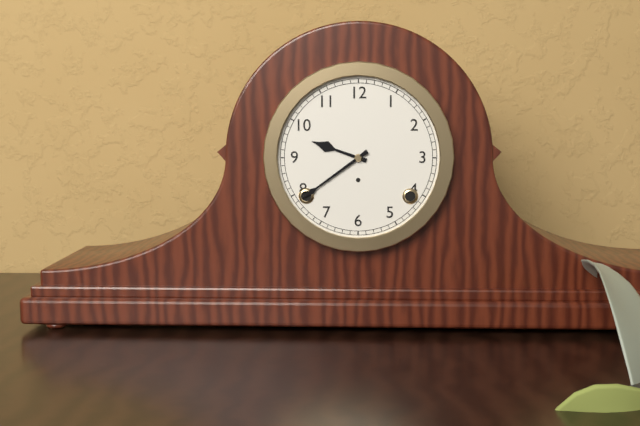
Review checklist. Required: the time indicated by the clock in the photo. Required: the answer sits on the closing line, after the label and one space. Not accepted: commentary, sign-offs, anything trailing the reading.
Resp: 9:39
